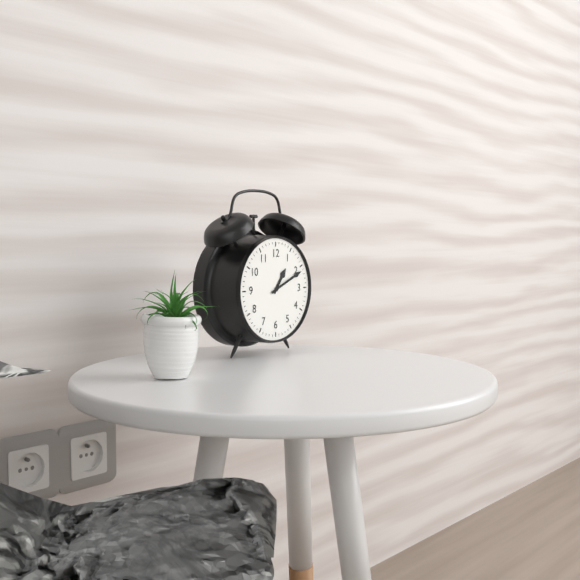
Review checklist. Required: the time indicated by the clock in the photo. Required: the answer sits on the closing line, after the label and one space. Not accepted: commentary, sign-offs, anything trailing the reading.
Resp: 1:11
